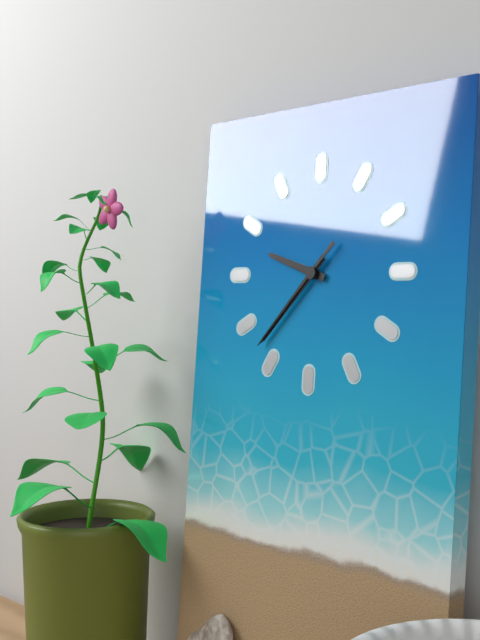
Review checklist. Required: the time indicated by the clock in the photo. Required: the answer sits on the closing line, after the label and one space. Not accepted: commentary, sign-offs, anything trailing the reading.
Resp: 9:37:37
